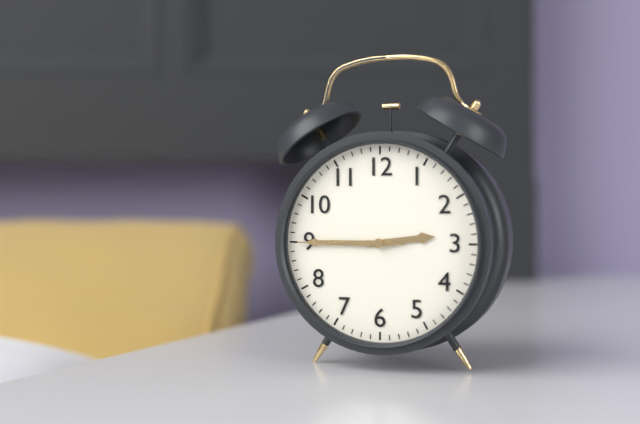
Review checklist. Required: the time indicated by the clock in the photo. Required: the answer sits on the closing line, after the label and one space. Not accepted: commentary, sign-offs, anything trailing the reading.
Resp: 2:45:45
